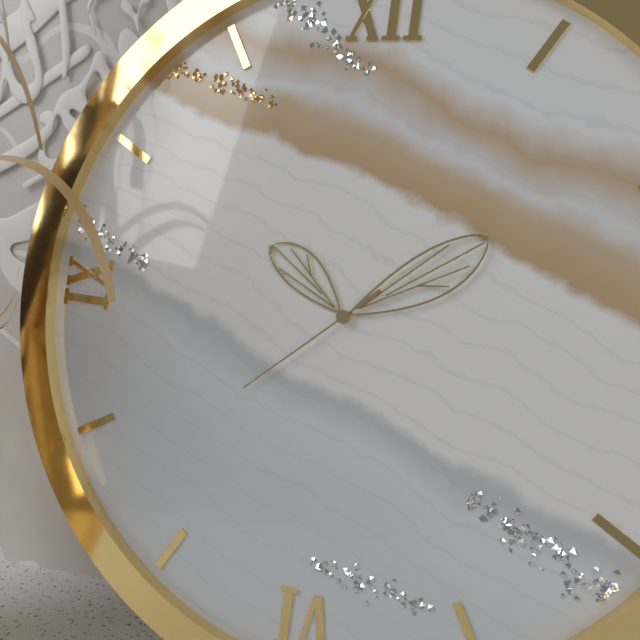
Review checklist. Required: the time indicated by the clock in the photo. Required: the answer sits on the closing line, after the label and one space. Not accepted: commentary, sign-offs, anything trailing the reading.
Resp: 10:09:38
